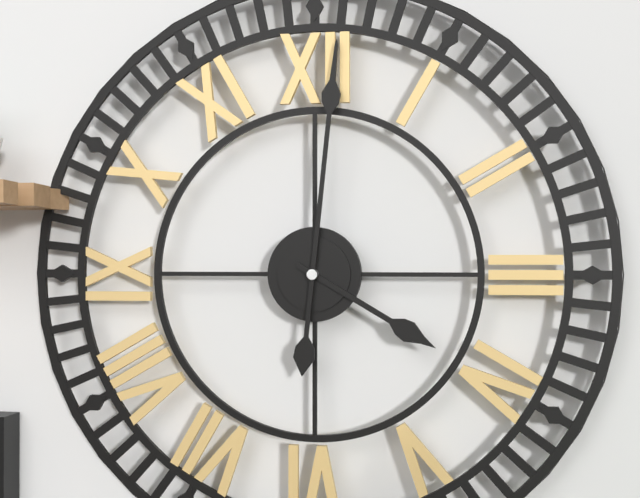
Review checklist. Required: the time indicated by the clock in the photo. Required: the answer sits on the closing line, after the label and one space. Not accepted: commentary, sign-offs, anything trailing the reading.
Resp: 4:01
